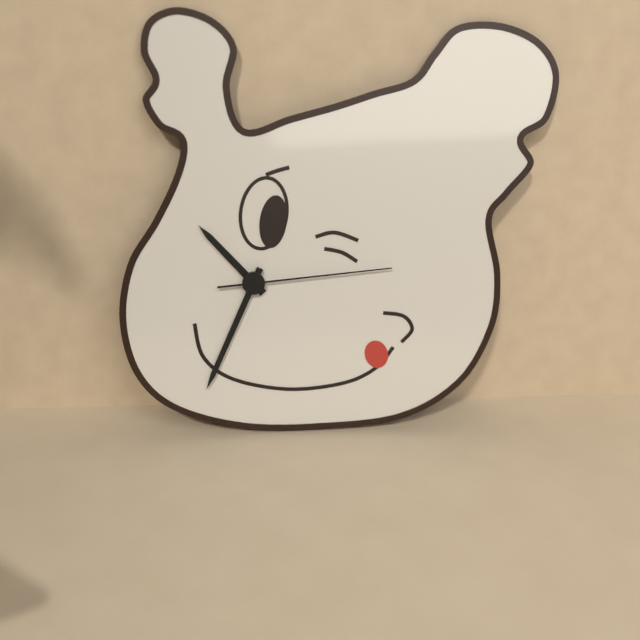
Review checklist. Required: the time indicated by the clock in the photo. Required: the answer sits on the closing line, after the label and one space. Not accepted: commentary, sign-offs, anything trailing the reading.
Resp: 10:34:14
